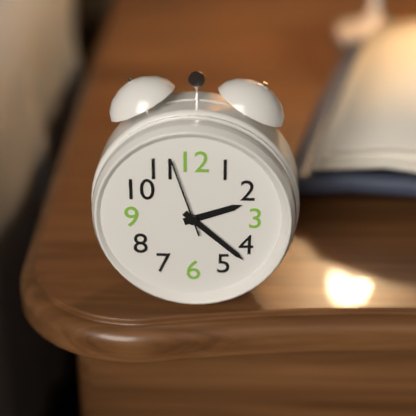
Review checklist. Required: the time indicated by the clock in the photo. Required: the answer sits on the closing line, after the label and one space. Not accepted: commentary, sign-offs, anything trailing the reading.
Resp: 2:22:57
